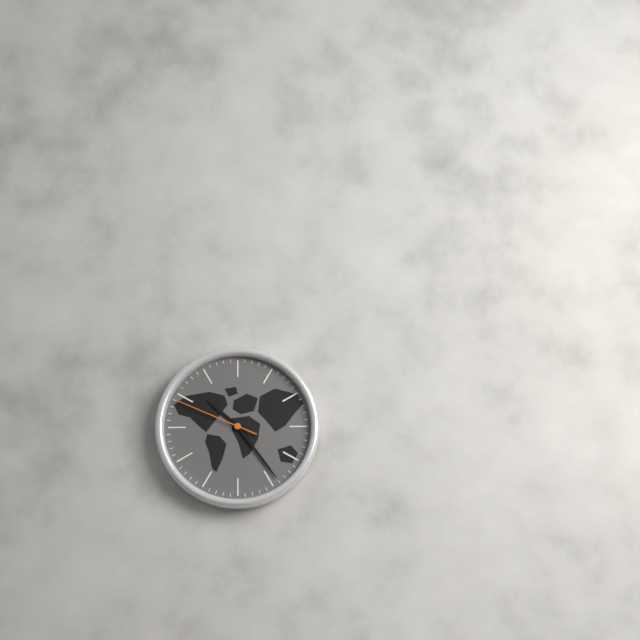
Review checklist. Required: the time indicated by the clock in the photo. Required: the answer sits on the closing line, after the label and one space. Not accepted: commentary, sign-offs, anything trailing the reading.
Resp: 10:24:49
